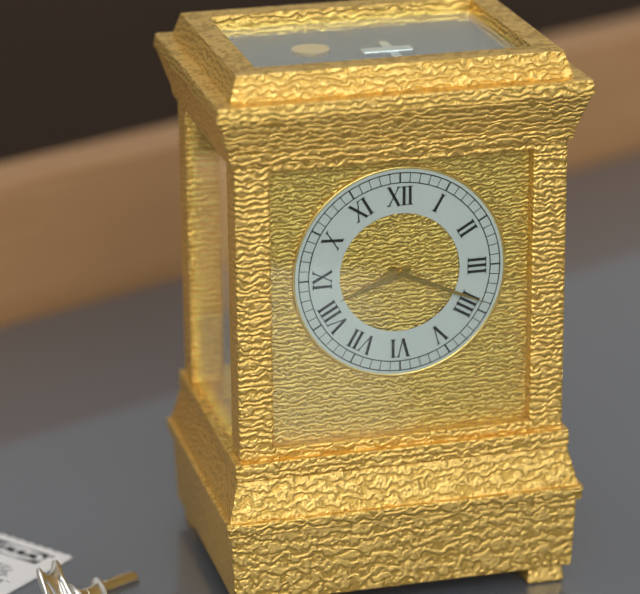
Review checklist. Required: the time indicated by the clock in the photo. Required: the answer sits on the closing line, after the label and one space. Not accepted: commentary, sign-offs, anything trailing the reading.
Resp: 8:19
